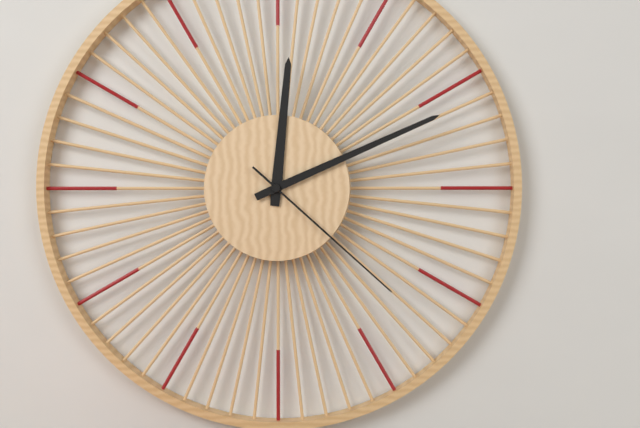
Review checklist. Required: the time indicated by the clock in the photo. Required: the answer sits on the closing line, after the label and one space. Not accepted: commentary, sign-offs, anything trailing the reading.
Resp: 12:11:22
